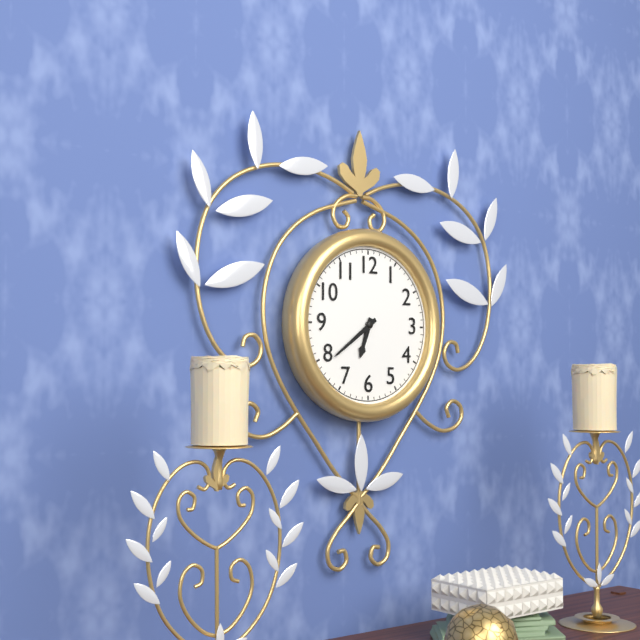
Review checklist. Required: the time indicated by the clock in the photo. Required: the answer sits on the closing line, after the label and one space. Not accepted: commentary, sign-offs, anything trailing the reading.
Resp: 6:39
